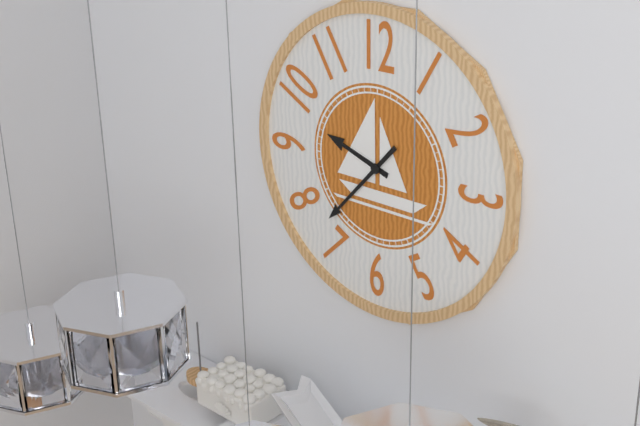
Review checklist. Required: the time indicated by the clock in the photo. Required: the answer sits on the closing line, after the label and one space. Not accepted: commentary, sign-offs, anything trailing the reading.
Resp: 9:37
